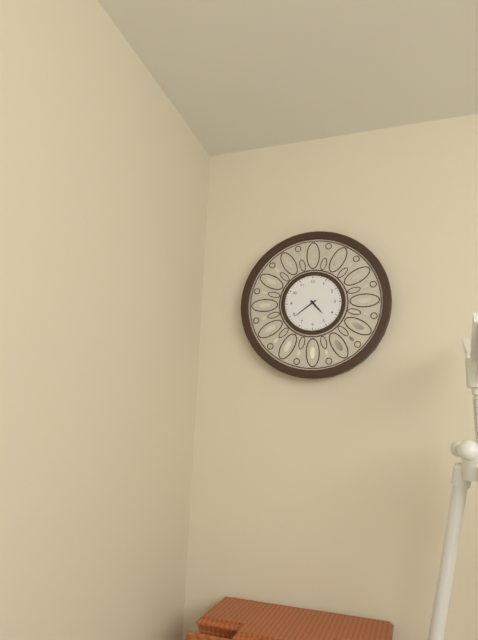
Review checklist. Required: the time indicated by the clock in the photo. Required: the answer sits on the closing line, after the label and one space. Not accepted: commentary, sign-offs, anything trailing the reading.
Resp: 4:39
